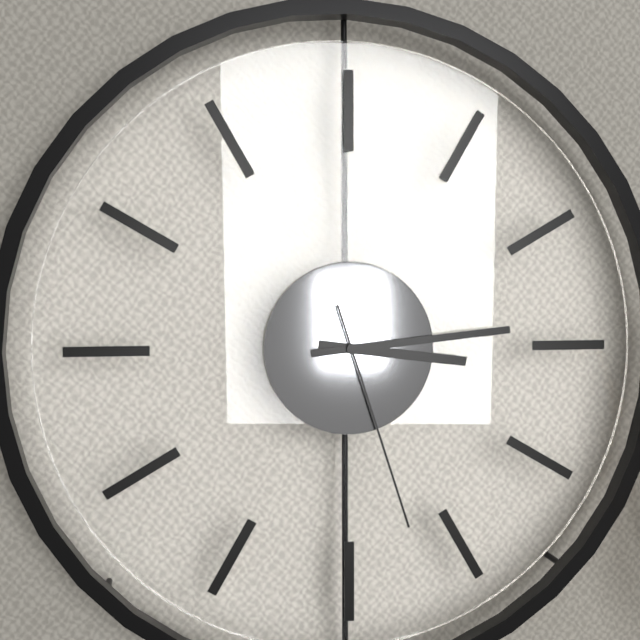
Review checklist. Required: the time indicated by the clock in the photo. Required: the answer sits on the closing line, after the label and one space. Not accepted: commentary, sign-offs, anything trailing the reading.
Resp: 3:14:27
